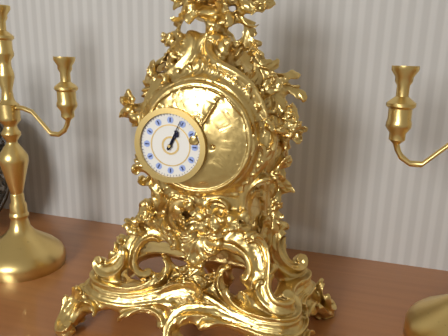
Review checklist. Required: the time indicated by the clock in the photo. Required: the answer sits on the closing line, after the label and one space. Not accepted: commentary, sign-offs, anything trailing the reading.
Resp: 1:04
